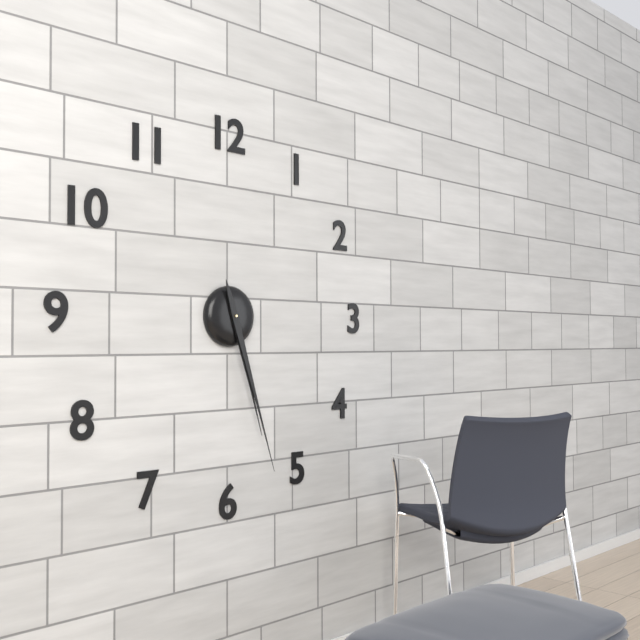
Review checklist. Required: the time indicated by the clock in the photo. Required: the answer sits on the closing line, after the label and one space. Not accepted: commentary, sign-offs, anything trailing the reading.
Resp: 5:27
